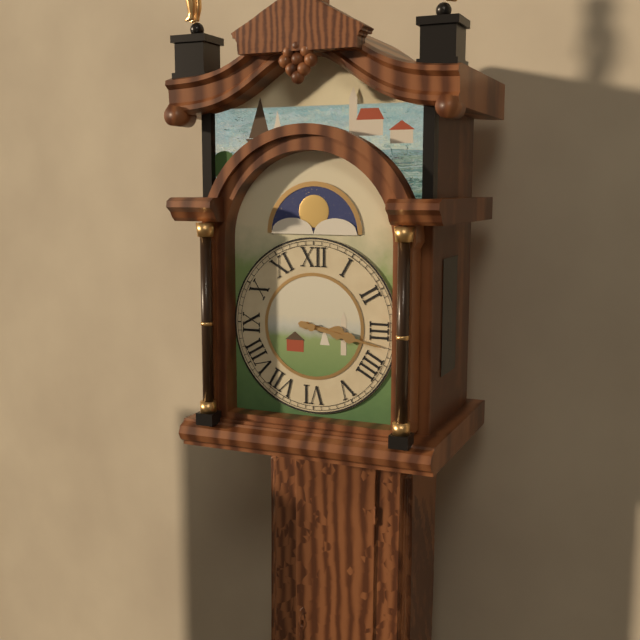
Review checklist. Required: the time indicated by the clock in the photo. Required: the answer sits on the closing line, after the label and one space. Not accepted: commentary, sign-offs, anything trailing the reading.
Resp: 3:17
